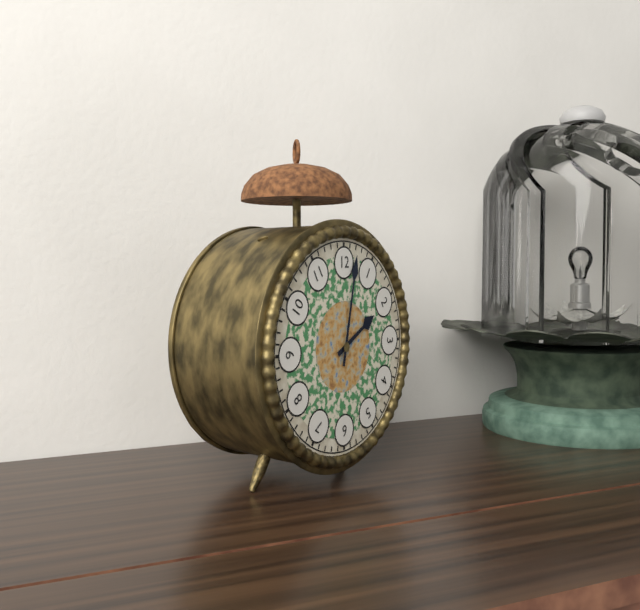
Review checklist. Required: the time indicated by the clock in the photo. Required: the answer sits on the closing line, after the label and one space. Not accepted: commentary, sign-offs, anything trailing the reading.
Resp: 2:02
